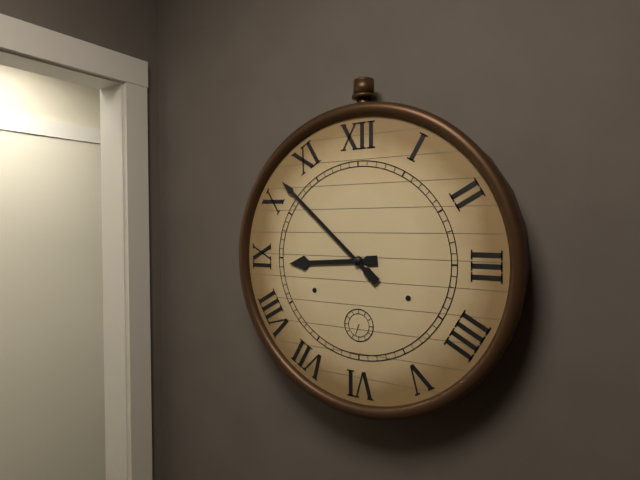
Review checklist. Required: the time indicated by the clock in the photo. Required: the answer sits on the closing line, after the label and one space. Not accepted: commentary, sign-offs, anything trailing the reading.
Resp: 8:52
